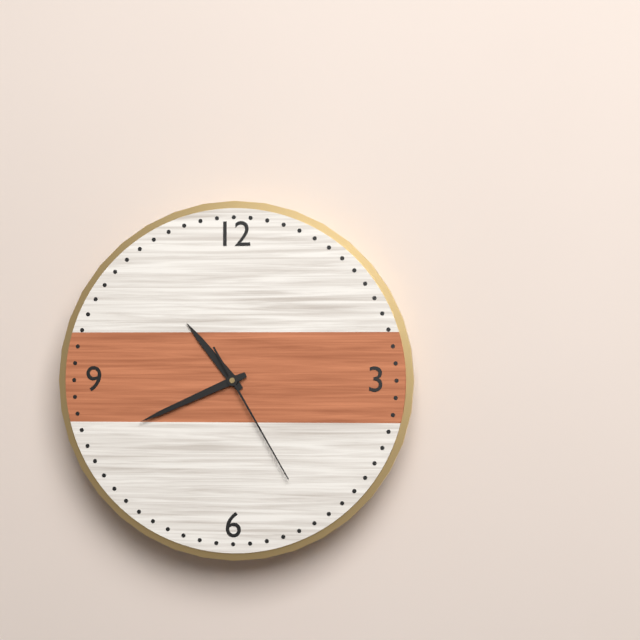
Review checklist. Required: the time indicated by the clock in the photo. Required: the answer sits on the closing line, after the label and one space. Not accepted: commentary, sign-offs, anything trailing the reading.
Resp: 10:41:25
